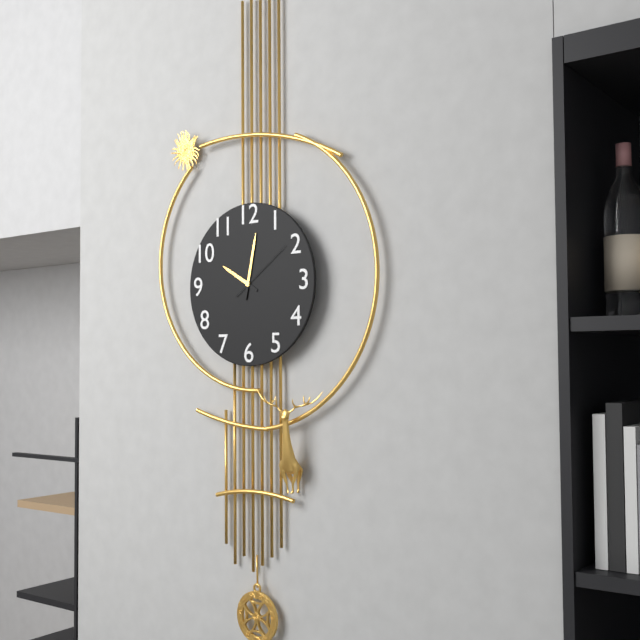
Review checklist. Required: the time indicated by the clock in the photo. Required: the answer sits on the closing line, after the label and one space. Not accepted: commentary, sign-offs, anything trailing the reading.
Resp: 10:02:09
